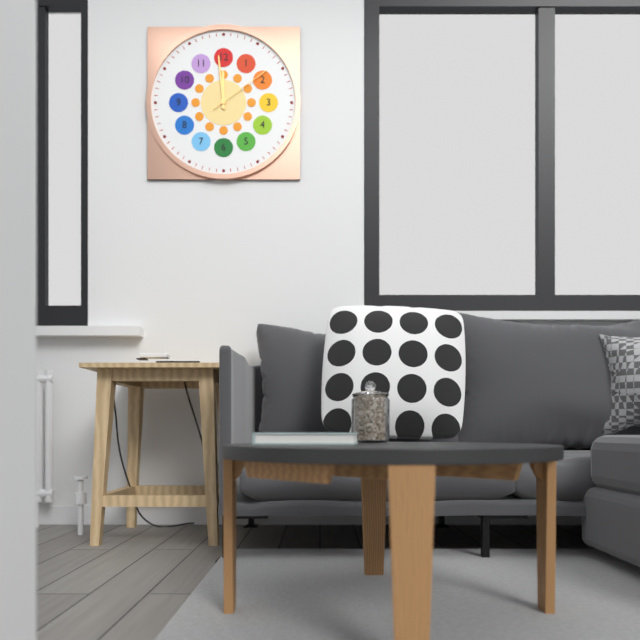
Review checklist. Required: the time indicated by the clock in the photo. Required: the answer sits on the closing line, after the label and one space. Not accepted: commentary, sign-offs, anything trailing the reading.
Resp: 11:59:09
